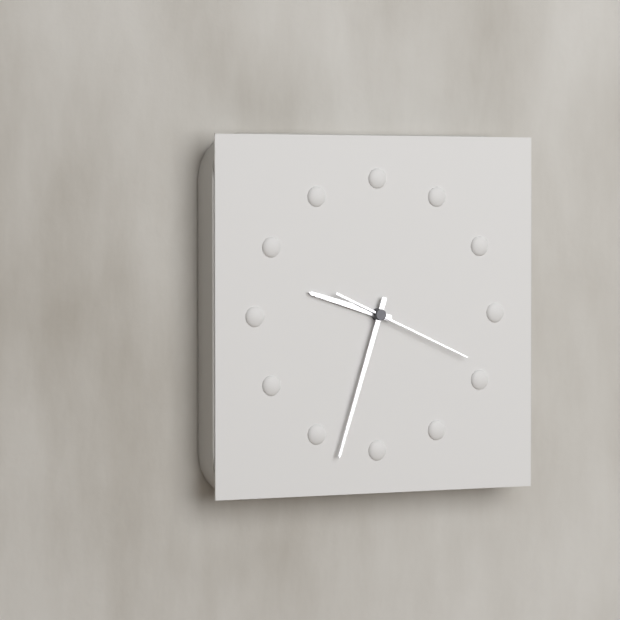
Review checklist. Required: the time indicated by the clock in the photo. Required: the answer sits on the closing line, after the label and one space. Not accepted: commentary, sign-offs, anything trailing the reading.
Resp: 9:33:19
